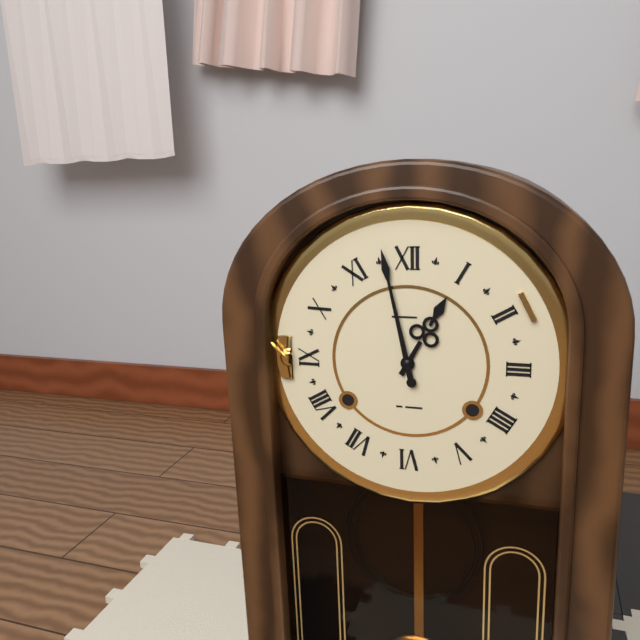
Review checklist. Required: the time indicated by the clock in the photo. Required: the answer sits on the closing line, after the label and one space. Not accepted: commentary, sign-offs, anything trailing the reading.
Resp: 12:58
